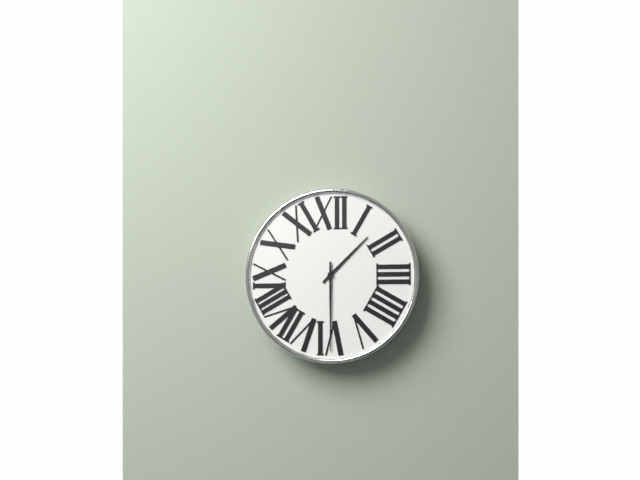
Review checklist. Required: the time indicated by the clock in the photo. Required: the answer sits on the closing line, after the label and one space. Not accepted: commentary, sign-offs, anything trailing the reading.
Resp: 1:30
